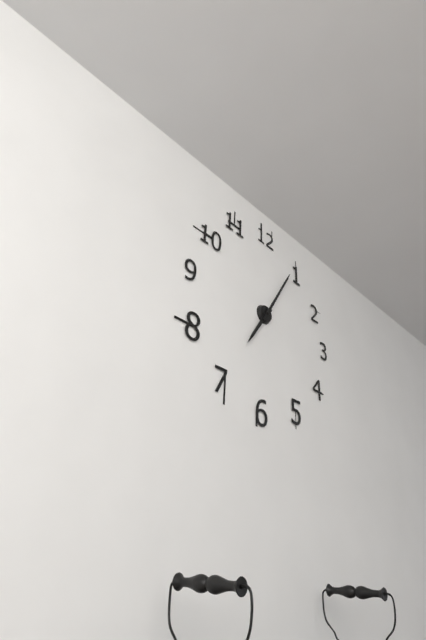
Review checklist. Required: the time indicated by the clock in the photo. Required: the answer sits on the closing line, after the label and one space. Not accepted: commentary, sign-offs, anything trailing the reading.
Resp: 7:05
